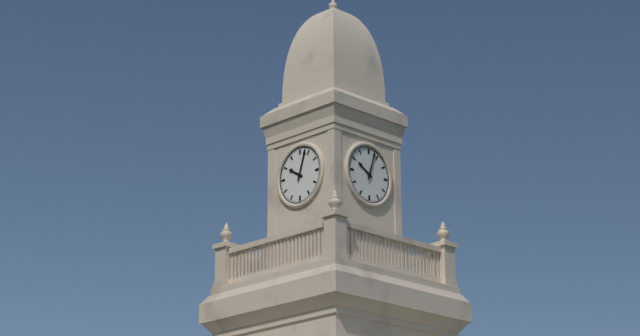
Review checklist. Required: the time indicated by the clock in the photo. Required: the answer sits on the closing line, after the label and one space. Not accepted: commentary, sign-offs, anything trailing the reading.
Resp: 10:03
